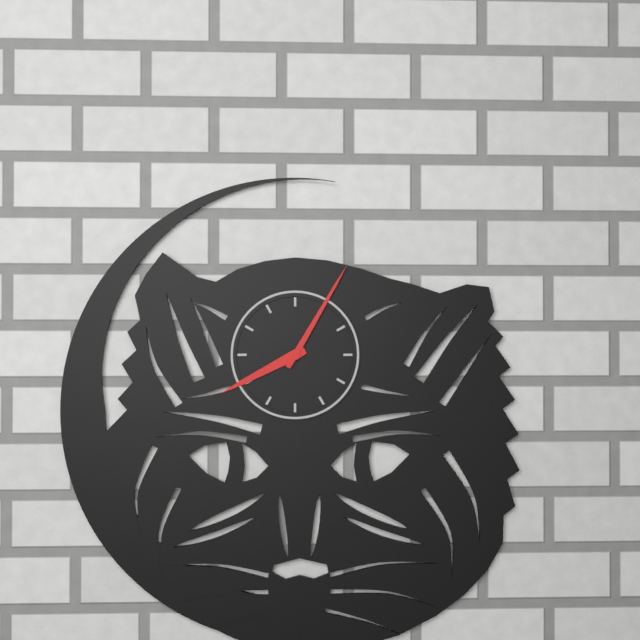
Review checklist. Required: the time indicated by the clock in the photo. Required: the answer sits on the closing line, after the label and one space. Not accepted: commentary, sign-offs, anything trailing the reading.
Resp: 8:05
